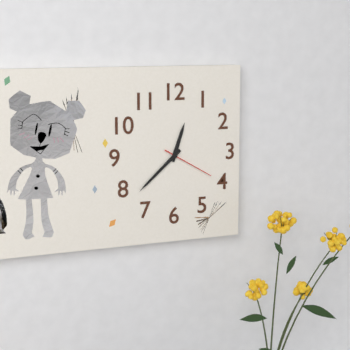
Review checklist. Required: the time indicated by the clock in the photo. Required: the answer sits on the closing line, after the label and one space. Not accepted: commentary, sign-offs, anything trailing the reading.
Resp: 12:38:20
